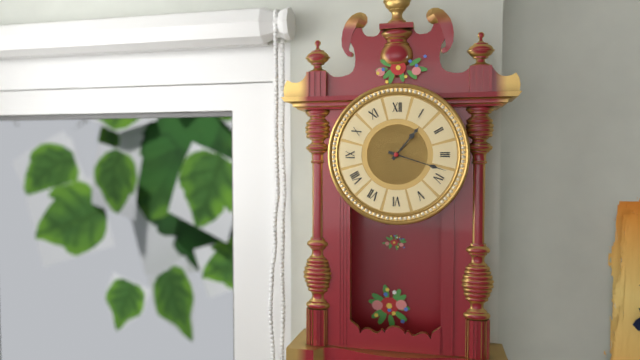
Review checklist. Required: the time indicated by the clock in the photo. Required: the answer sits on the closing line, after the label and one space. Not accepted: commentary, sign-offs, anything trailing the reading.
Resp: 1:18
